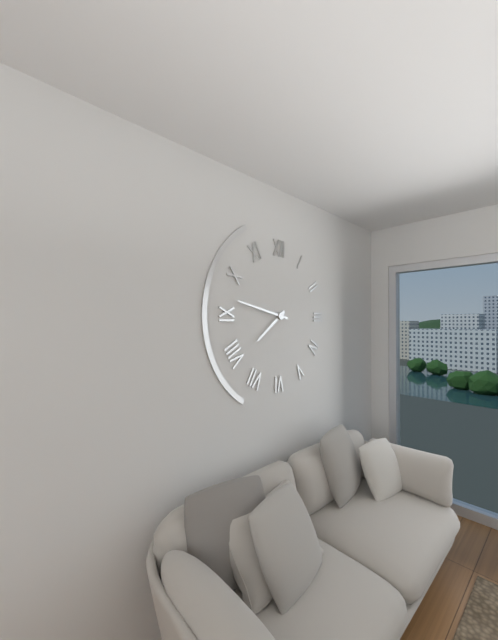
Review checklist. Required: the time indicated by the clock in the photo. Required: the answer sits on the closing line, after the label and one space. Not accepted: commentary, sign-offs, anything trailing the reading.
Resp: 7:47
